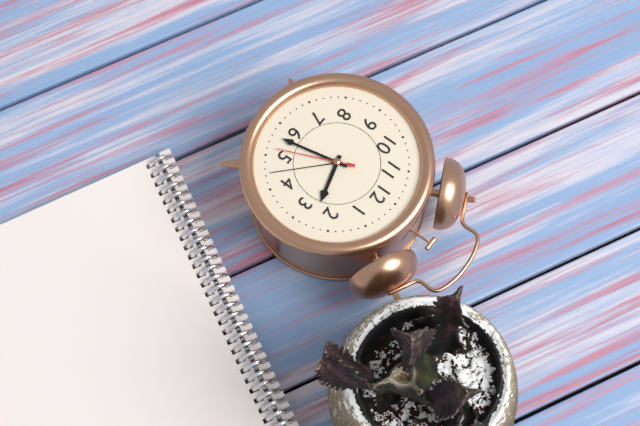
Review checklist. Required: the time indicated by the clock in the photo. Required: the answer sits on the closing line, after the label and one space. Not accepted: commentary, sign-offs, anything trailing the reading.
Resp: 2:28:26
